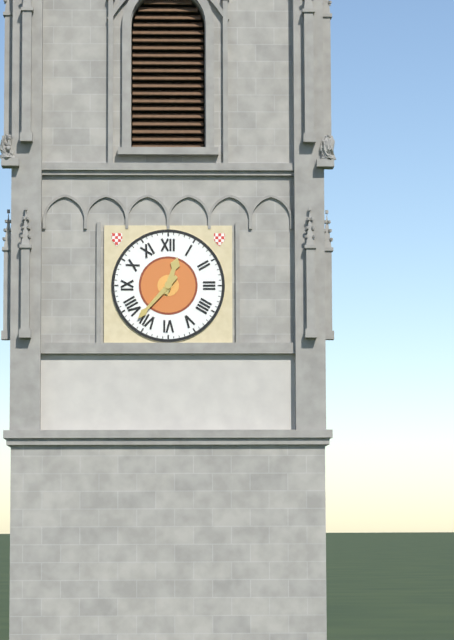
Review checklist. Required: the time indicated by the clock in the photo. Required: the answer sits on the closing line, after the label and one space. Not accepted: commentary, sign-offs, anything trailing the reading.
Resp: 12:37
